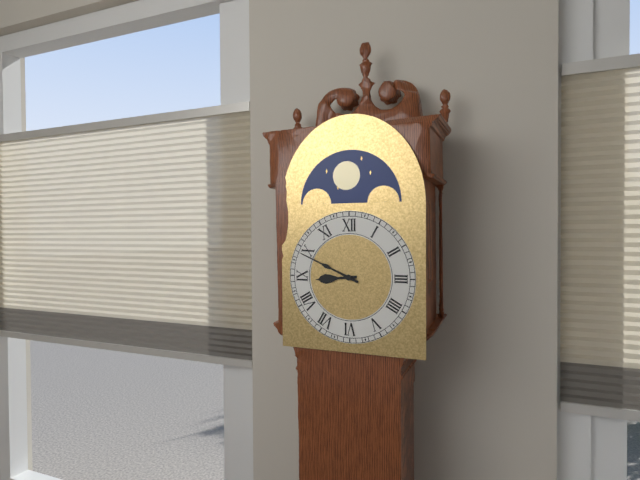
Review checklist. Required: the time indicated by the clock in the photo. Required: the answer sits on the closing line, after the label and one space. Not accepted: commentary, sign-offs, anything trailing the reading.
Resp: 8:49
